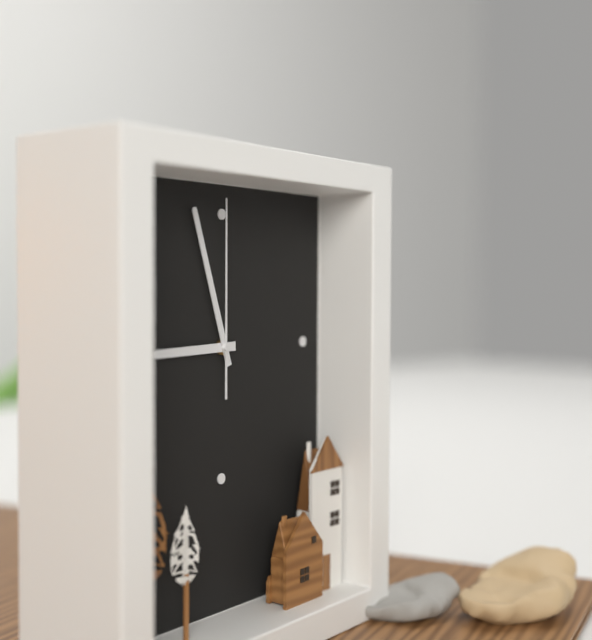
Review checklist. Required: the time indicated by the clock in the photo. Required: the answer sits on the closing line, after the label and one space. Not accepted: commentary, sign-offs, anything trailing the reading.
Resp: 8:57:00
